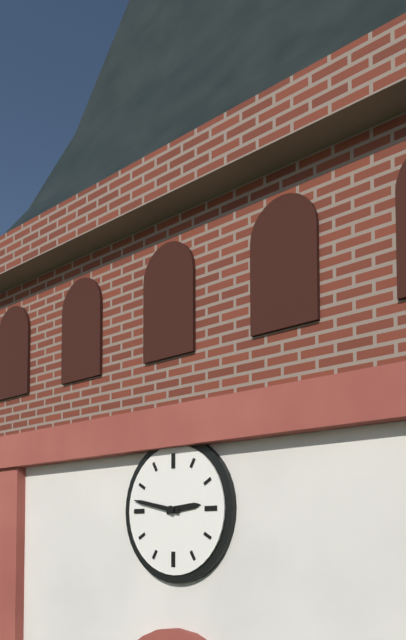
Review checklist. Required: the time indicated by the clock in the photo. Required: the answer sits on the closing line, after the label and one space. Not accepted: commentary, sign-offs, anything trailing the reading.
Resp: 2:47
